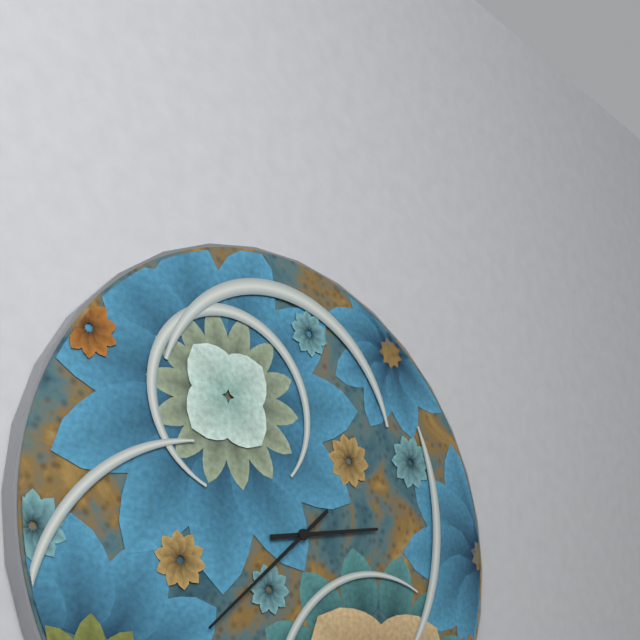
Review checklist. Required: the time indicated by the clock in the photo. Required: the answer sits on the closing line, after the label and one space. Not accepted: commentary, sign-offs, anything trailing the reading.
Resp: 2:38
